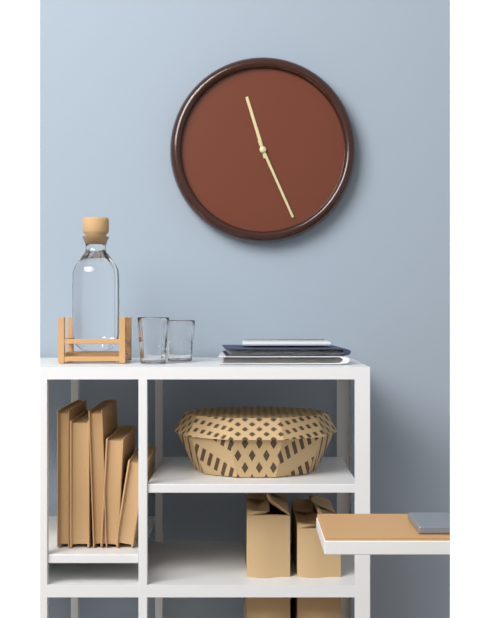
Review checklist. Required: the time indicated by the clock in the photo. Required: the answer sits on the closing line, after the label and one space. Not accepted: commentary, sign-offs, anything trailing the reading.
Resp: 11:26
